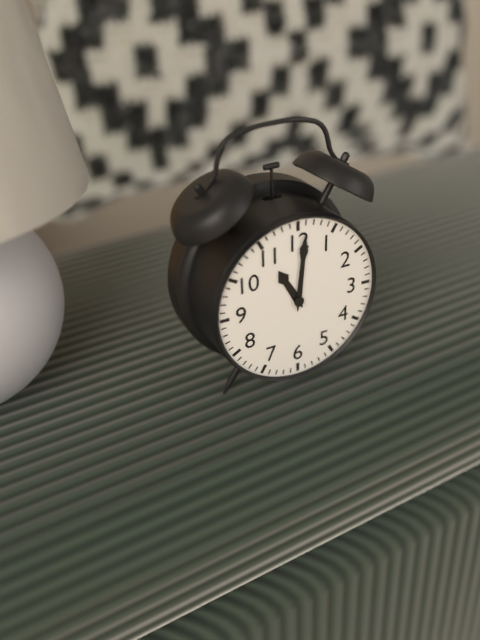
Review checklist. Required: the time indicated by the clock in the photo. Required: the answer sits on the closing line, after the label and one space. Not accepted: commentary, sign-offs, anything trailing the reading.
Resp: 11:01
